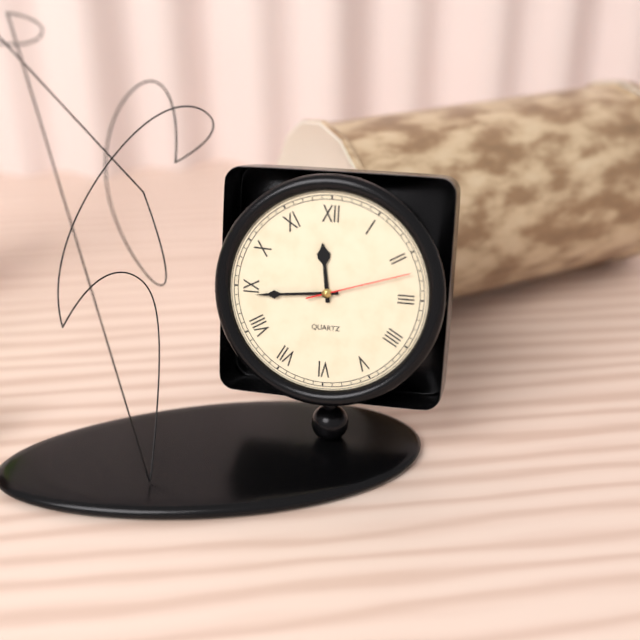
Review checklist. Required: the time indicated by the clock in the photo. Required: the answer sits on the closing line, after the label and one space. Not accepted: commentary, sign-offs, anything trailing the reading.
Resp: 11:44:12
